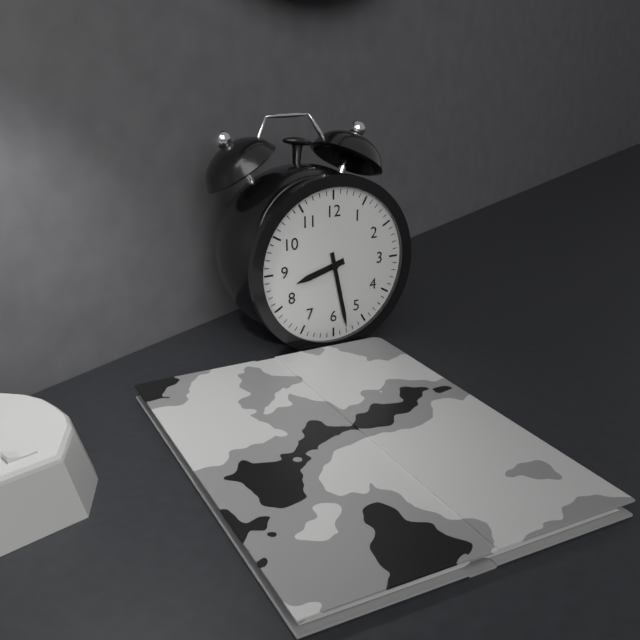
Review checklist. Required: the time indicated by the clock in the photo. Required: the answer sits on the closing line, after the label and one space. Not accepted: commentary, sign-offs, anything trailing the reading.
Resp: 8:28
